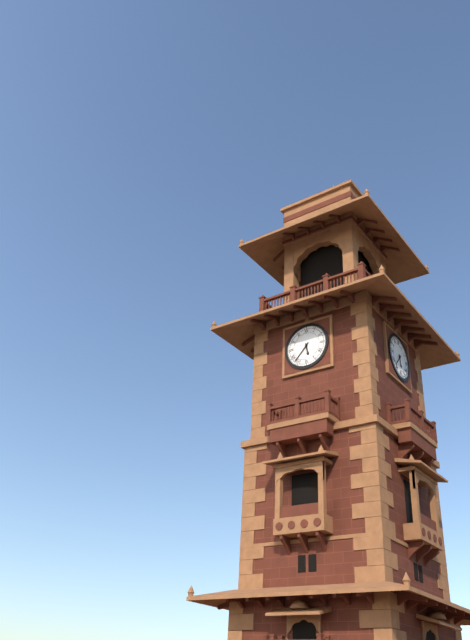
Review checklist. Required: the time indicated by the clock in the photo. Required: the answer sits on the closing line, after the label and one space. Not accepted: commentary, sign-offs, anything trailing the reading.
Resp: 5:37
